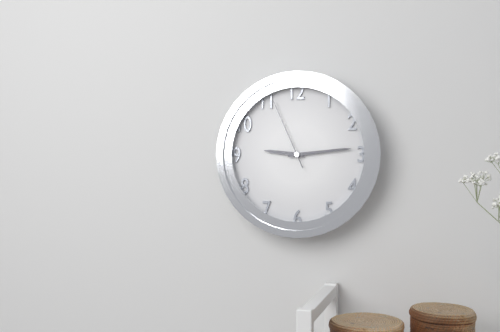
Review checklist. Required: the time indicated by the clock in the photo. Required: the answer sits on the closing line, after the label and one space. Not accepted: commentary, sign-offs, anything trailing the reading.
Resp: 9:14:56
